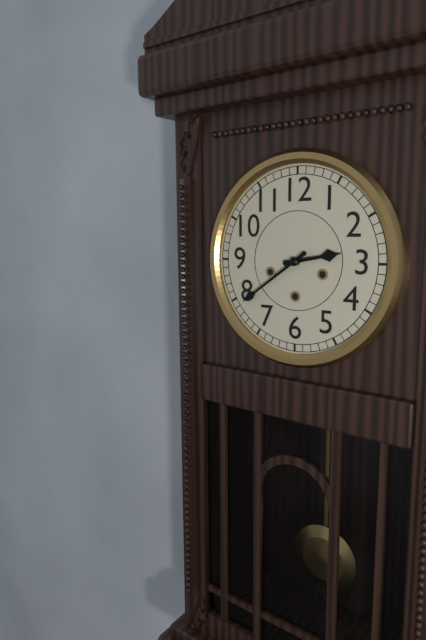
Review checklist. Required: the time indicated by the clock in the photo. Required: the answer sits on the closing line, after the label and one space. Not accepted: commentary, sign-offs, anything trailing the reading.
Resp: 2:39
